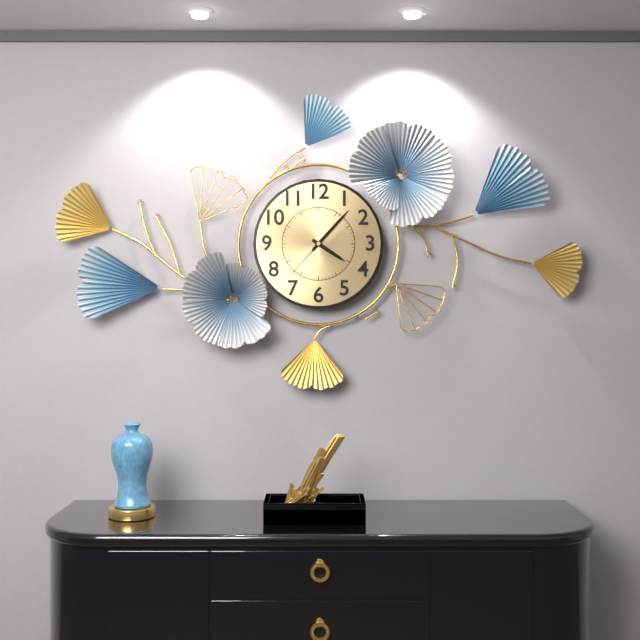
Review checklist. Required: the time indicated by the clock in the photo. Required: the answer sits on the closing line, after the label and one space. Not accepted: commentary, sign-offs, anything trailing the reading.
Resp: 4:07:37
